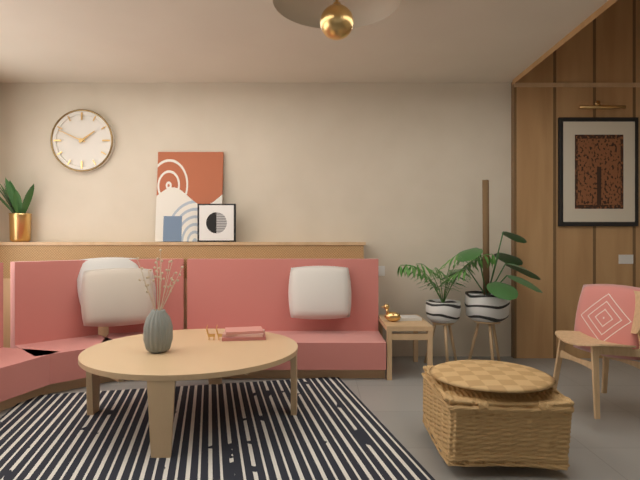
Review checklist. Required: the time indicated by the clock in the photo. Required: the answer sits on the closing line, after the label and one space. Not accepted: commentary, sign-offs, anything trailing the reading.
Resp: 1:49
